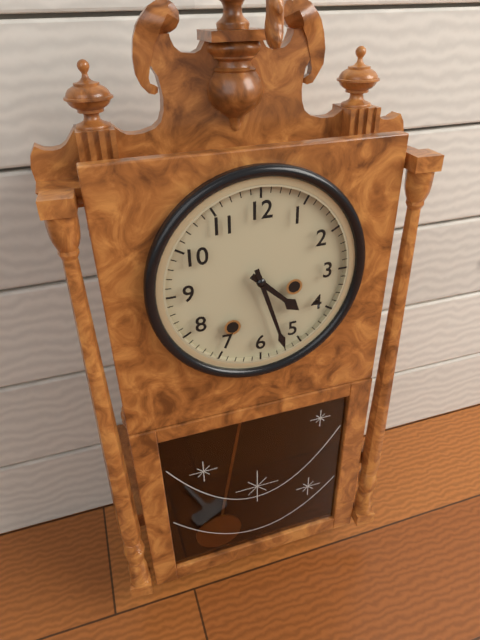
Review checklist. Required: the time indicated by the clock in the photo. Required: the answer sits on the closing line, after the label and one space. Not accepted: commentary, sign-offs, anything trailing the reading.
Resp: 4:27
